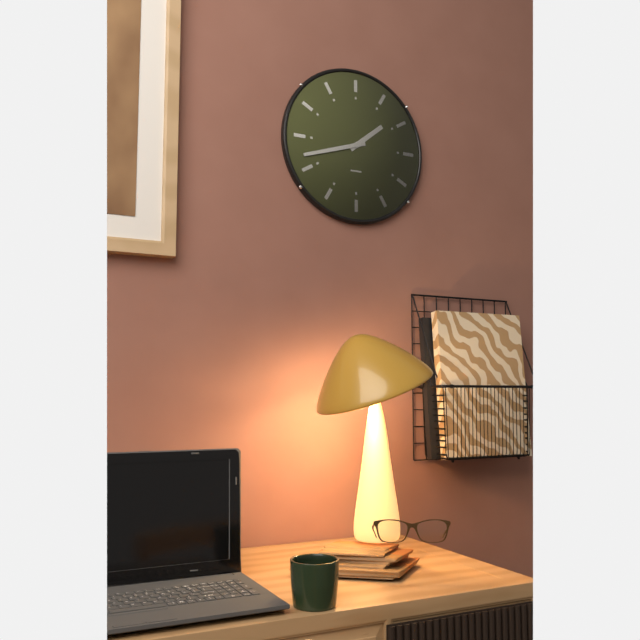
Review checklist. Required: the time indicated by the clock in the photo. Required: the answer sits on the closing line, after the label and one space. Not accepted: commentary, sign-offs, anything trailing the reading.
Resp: 1:42
